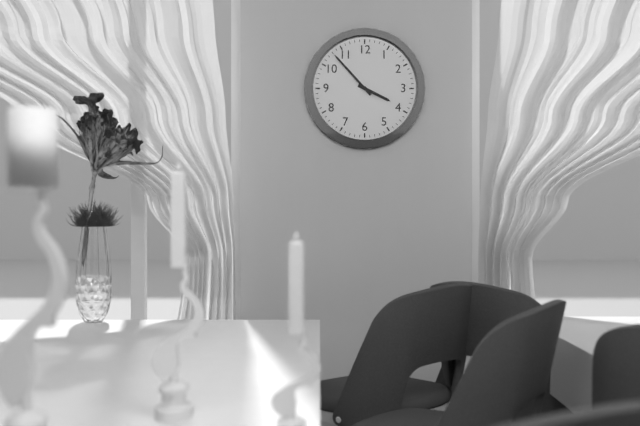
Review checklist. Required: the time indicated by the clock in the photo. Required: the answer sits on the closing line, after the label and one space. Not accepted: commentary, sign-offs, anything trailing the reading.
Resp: 3:53
